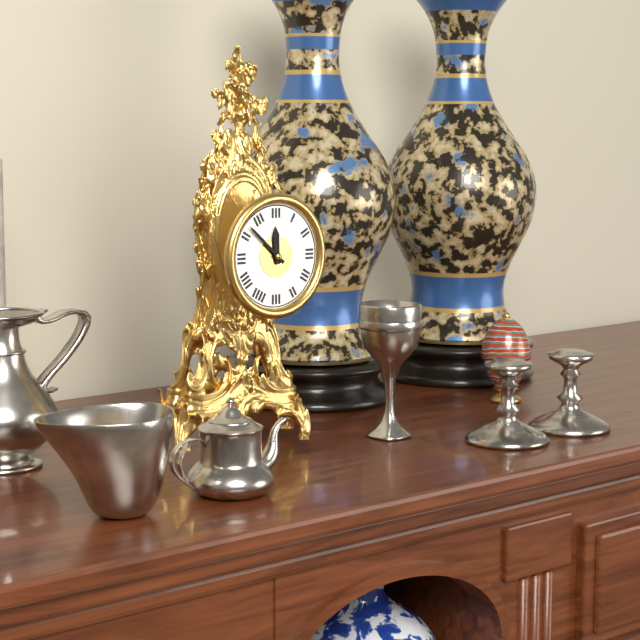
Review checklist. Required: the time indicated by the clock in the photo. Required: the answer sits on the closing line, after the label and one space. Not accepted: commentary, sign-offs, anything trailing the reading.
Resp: 11:52
